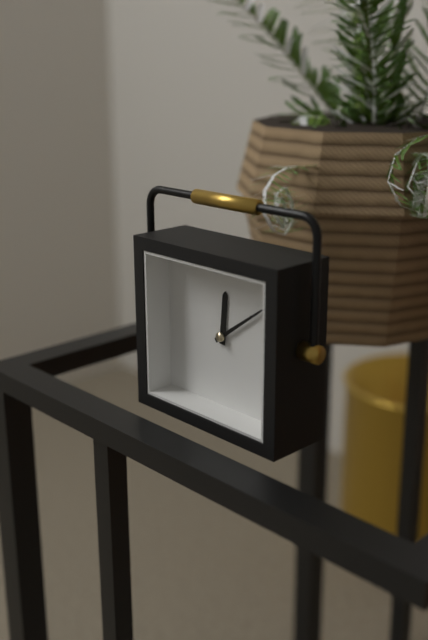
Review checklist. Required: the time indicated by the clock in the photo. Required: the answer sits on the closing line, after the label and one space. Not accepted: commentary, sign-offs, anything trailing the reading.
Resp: 12:09
